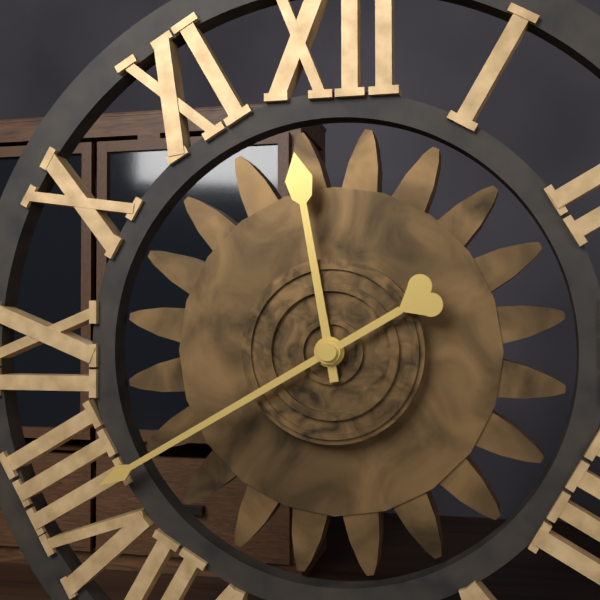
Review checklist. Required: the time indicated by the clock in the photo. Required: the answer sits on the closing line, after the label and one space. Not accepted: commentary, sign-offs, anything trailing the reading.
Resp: 11:40
